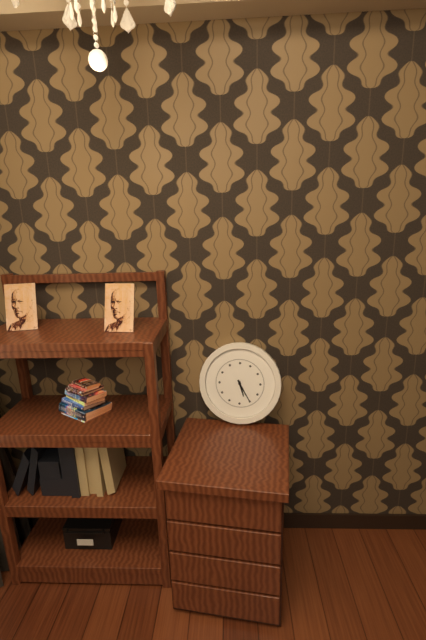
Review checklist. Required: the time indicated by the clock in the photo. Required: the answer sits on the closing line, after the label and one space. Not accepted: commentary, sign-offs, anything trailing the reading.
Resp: 5:25
